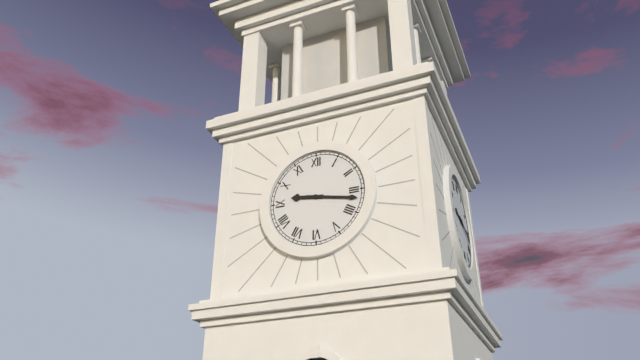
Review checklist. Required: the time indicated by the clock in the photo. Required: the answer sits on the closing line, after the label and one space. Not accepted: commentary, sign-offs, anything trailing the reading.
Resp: 9:17
